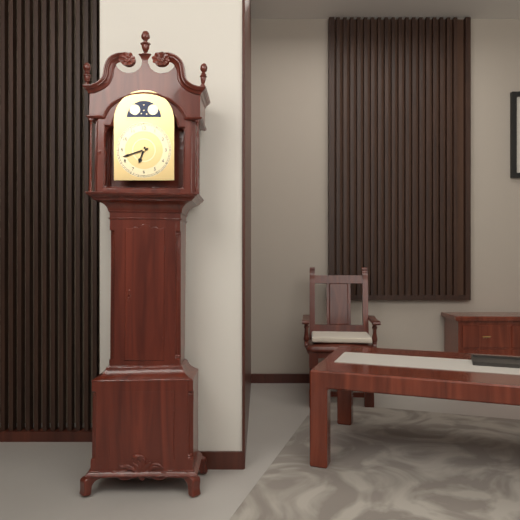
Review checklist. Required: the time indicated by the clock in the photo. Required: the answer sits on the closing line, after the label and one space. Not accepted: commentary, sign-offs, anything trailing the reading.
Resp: 6:42
